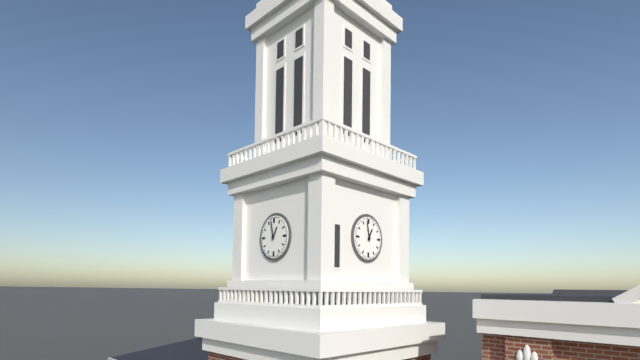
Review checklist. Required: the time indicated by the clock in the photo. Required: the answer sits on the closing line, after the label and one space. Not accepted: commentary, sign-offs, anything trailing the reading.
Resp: 12:58
